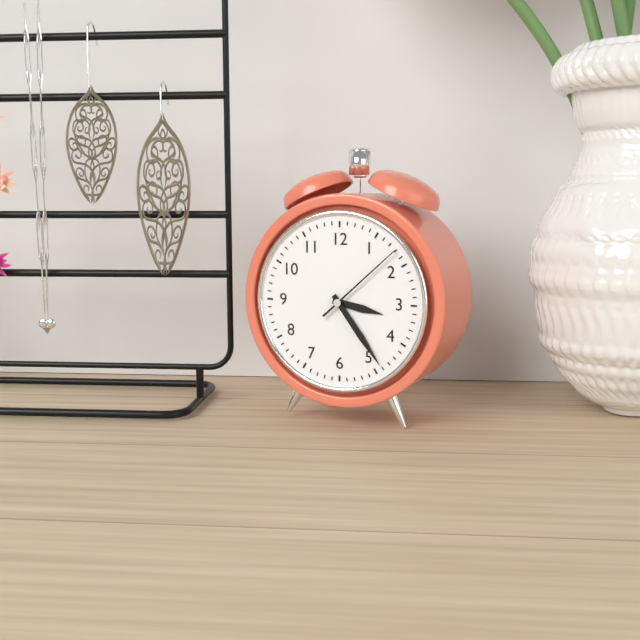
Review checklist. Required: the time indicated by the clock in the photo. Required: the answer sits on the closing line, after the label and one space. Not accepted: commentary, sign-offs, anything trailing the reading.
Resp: 3:24:08
